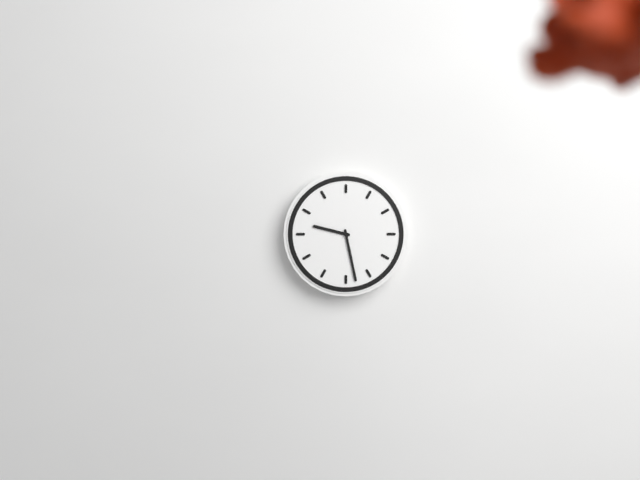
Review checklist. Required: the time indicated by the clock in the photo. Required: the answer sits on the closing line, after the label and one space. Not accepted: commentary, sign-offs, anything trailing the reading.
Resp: 9:28
